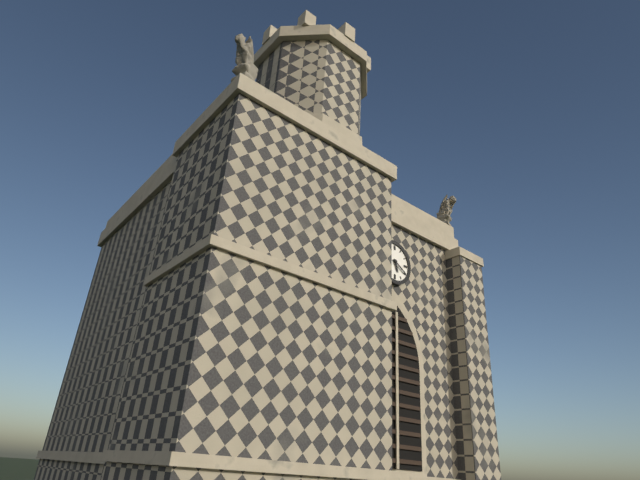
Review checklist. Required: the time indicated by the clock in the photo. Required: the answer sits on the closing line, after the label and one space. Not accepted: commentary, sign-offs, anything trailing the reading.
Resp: 5:20
